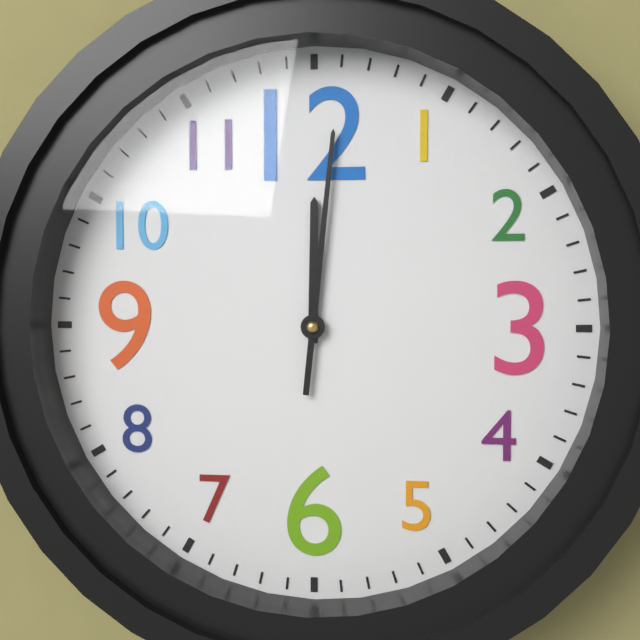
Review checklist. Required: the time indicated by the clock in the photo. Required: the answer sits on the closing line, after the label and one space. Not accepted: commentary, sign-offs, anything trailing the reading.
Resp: 12:01
